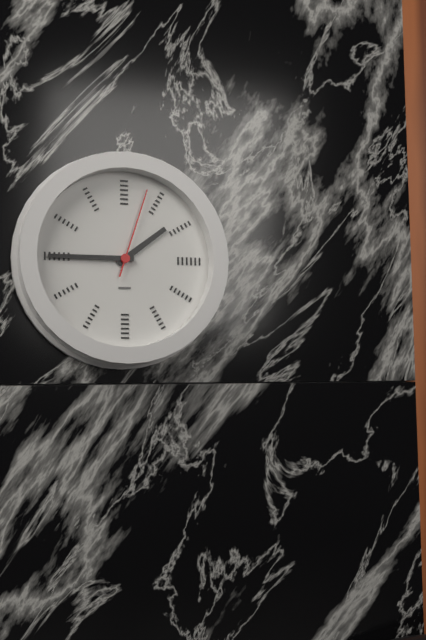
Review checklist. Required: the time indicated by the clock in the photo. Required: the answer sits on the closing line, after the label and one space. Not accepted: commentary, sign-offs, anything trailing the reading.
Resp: 1:45:03
